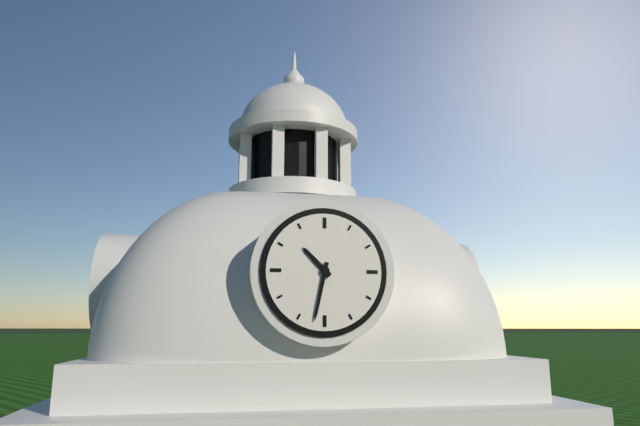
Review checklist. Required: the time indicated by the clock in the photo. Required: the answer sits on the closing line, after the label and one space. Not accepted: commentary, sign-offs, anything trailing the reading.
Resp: 10:32
